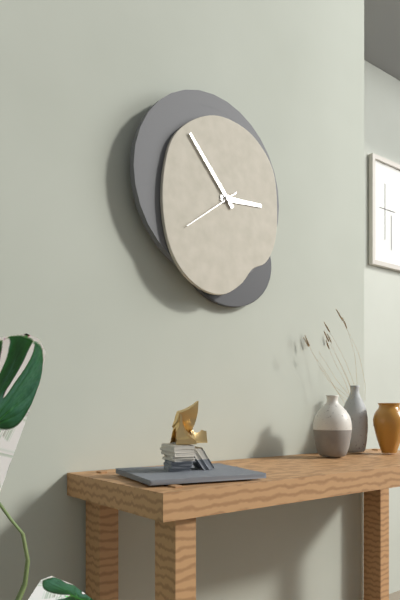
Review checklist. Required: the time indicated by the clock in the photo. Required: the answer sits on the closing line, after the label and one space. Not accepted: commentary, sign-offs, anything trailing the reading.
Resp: 2:53:39
